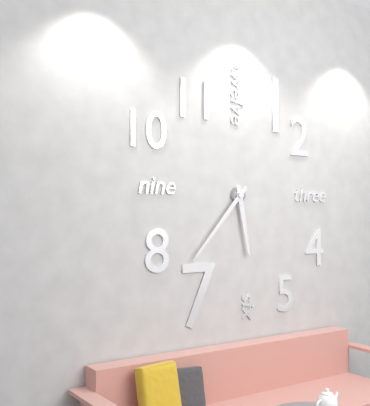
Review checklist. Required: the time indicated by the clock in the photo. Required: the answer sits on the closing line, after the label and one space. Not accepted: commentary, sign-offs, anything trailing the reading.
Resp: 5:37
